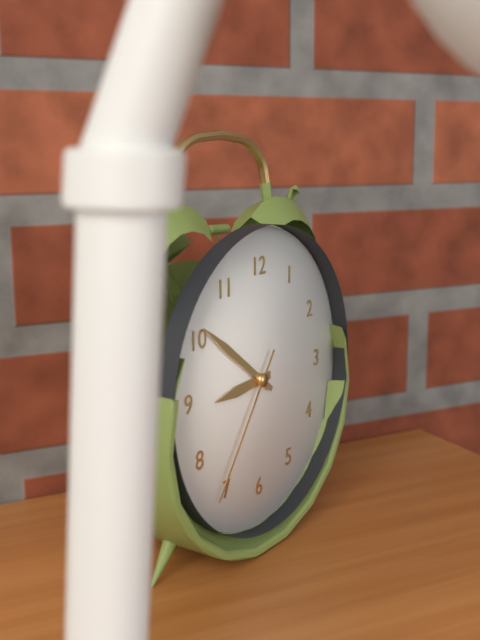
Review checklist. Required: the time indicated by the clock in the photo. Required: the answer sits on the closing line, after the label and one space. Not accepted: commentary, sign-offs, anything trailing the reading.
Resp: 8:51:36
